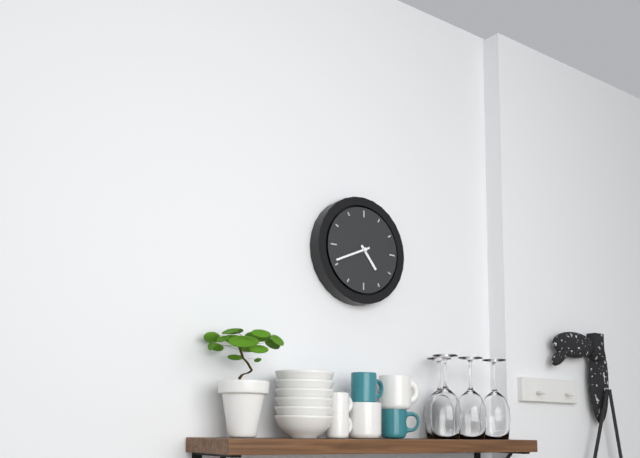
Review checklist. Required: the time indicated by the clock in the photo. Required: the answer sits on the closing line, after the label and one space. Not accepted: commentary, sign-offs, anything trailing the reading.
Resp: 4:41
